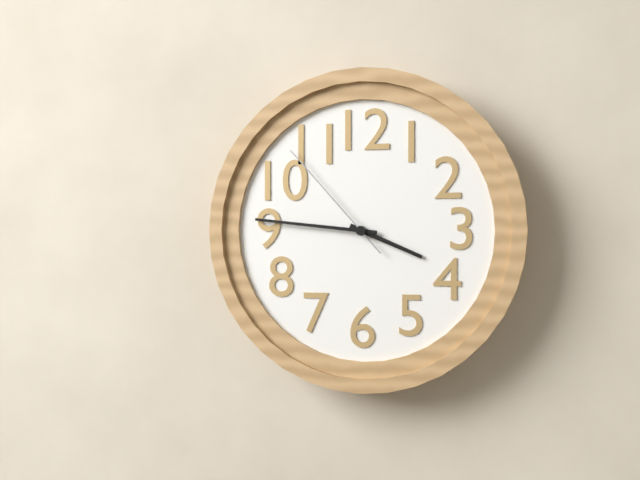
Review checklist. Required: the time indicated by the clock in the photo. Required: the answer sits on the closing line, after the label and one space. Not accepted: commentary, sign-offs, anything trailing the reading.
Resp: 3:46:53
